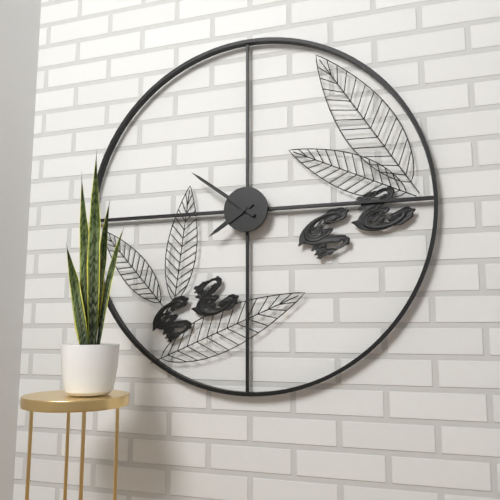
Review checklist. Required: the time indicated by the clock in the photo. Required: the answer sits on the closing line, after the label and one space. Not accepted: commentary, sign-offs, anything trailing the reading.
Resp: 7:51
